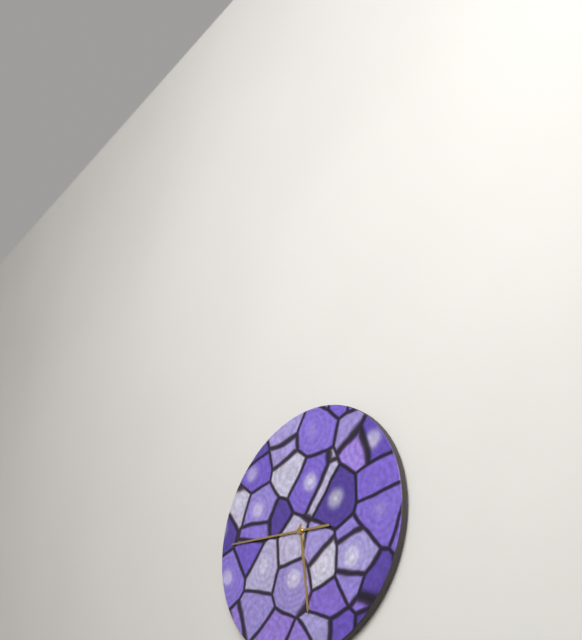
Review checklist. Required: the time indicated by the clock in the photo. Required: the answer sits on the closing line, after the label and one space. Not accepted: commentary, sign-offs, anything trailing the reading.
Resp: 5:46
